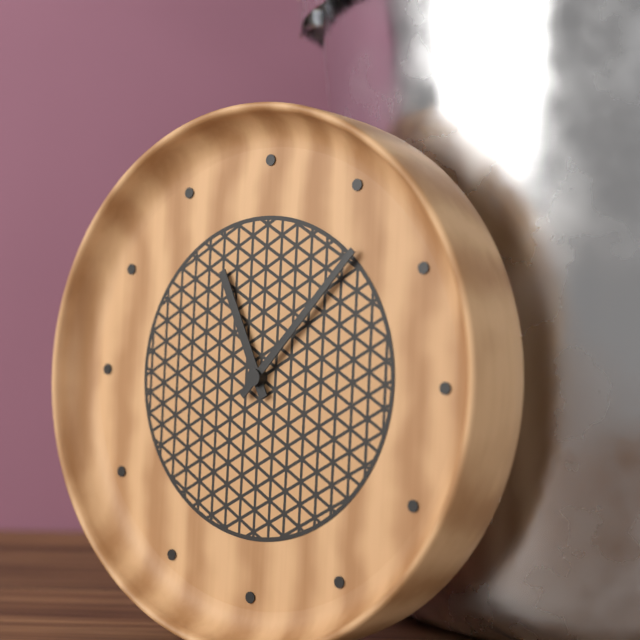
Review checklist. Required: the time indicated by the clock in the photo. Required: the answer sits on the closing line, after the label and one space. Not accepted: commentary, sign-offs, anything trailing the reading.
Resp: 11:07
